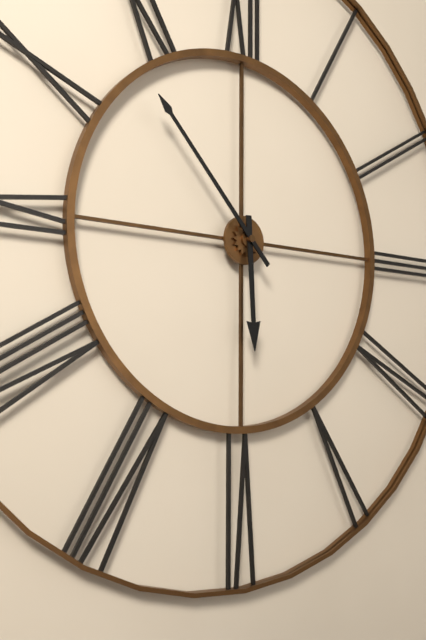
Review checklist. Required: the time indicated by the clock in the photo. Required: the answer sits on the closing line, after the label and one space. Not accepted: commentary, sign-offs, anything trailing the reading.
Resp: 5:53
